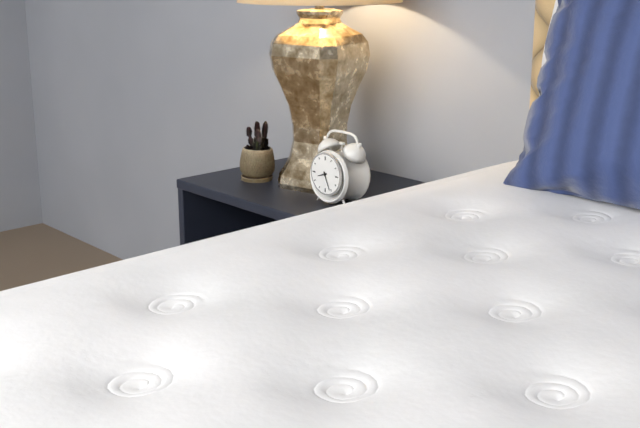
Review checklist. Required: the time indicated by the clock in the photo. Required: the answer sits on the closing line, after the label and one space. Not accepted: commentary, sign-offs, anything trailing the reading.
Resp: 8:26
